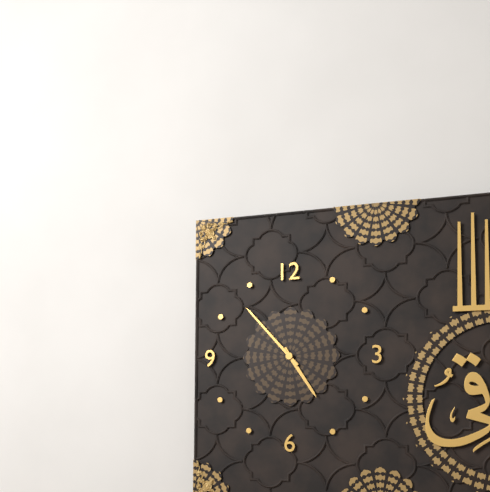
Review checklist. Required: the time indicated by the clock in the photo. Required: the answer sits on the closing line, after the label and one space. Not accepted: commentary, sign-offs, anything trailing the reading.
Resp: 4:53
